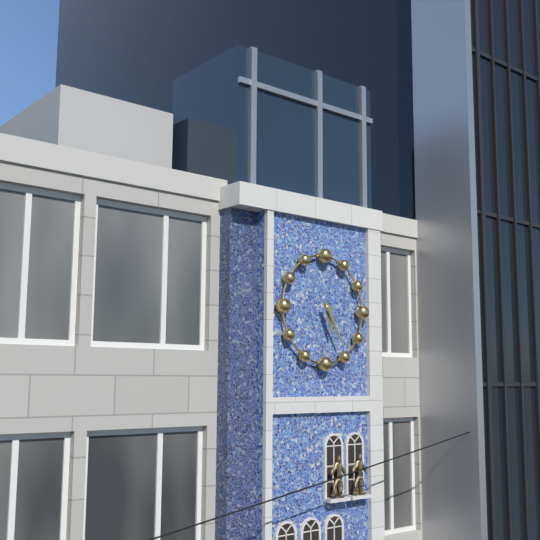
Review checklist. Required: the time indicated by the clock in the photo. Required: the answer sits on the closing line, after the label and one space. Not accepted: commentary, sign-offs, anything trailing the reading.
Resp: 5:25
